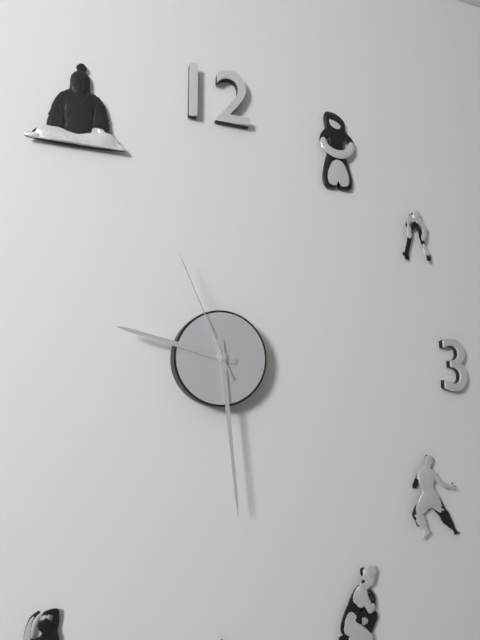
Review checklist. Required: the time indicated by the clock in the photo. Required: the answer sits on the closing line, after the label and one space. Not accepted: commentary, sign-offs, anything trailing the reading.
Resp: 9:29:56
